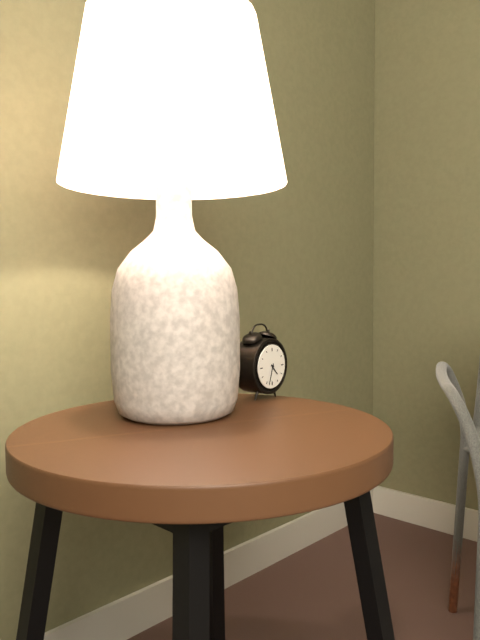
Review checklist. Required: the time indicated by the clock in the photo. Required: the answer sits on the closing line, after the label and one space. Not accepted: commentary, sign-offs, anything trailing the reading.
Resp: 4:33
